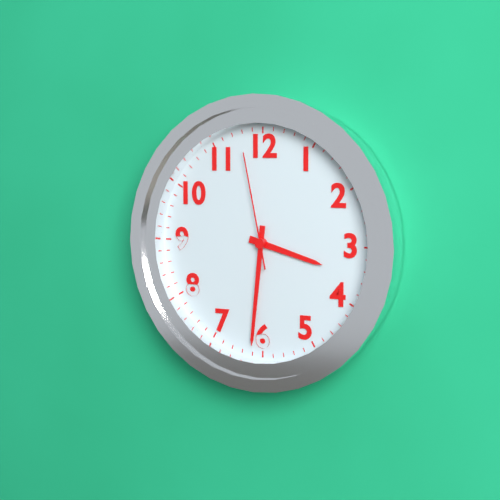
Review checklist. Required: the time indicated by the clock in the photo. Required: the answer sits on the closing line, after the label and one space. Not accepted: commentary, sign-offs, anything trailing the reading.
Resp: 3:31:58
